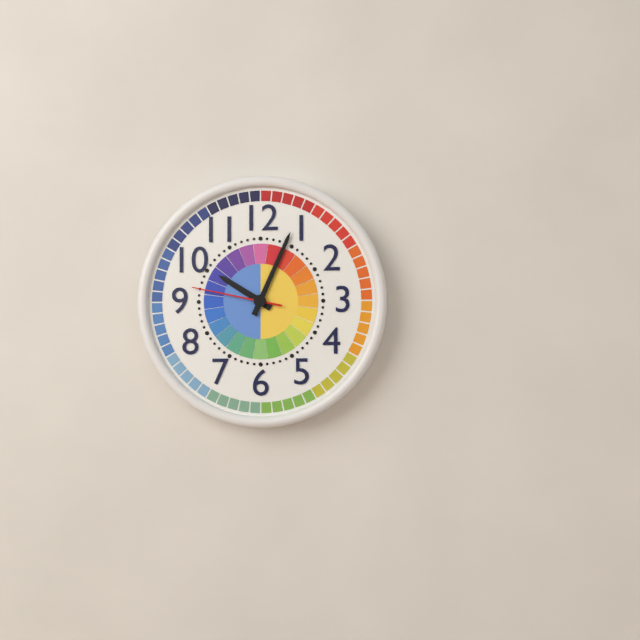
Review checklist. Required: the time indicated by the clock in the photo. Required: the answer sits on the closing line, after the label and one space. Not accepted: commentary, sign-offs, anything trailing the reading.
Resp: 10:04:47
